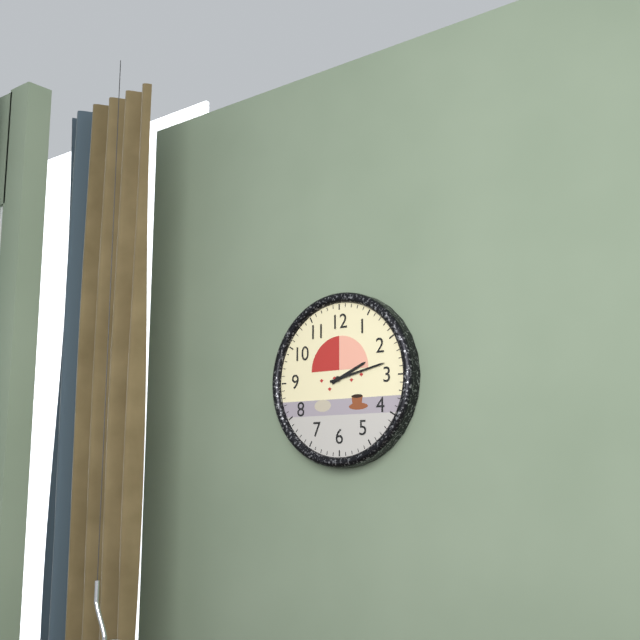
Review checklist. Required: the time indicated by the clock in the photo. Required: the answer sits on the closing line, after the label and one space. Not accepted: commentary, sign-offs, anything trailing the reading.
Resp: 2:13
